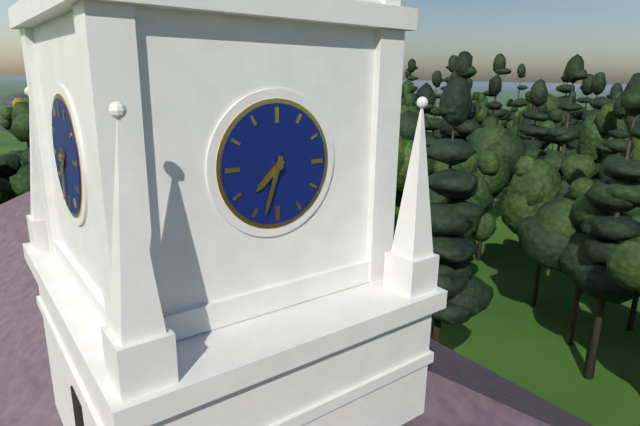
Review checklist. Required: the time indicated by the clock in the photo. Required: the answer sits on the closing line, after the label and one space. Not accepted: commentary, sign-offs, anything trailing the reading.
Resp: 7:33
